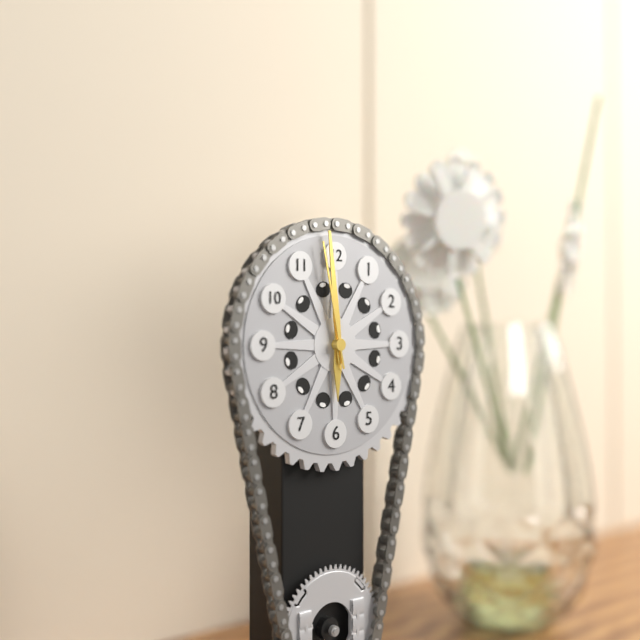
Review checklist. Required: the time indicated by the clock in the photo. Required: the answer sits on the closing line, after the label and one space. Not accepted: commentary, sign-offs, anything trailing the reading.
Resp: 5:59:58
